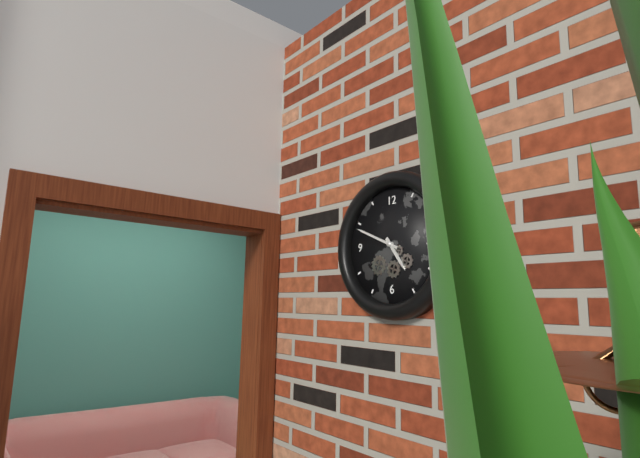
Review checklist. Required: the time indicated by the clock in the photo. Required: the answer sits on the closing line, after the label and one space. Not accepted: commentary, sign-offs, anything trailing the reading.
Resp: 4:49
